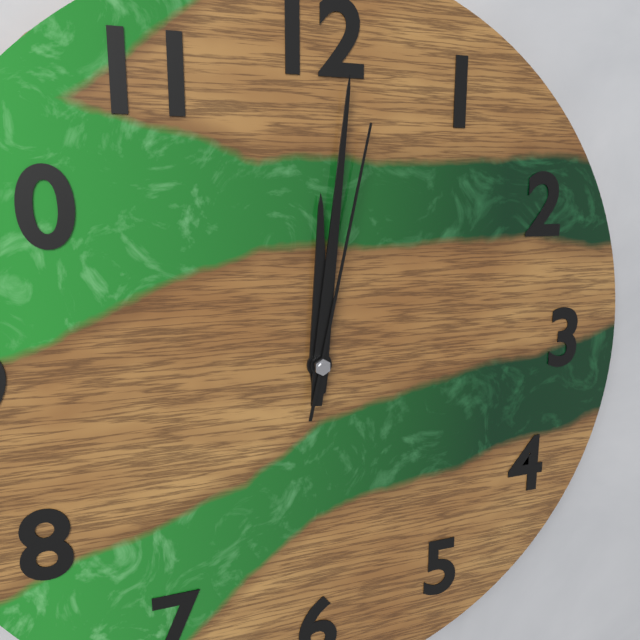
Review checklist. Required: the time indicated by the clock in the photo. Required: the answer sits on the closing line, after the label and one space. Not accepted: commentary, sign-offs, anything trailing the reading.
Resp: 12:01:02
